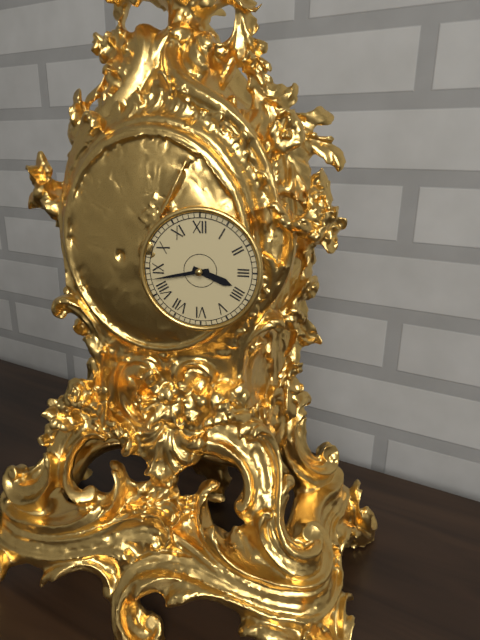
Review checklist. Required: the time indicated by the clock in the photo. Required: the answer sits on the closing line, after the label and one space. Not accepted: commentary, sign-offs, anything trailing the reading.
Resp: 3:43
